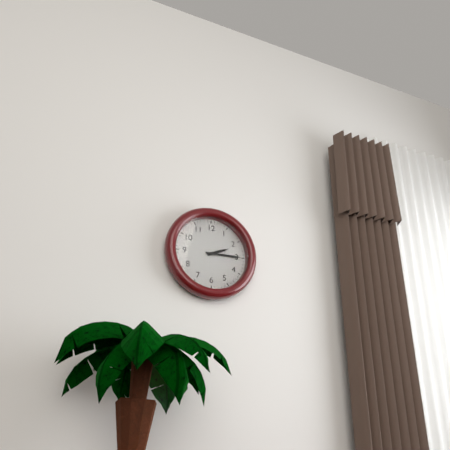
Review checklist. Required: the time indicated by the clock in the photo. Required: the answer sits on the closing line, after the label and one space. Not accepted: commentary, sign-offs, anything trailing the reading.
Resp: 2:15
